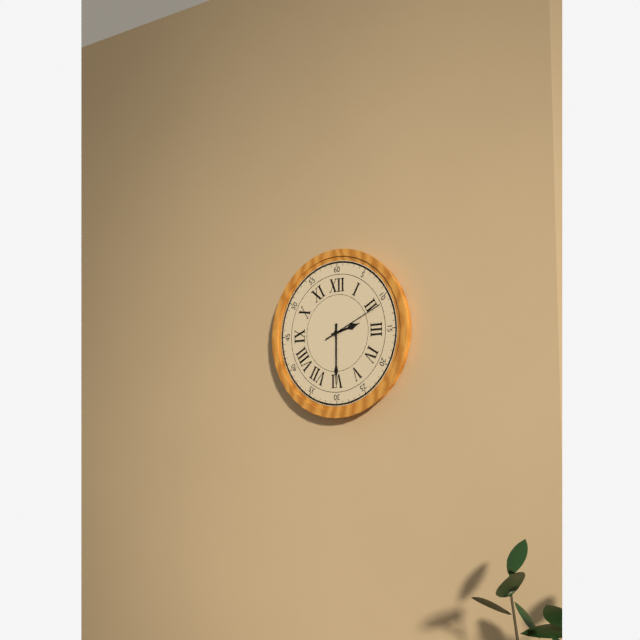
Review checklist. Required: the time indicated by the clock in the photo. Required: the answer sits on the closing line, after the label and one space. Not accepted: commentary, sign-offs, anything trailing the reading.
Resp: 2:30:11
